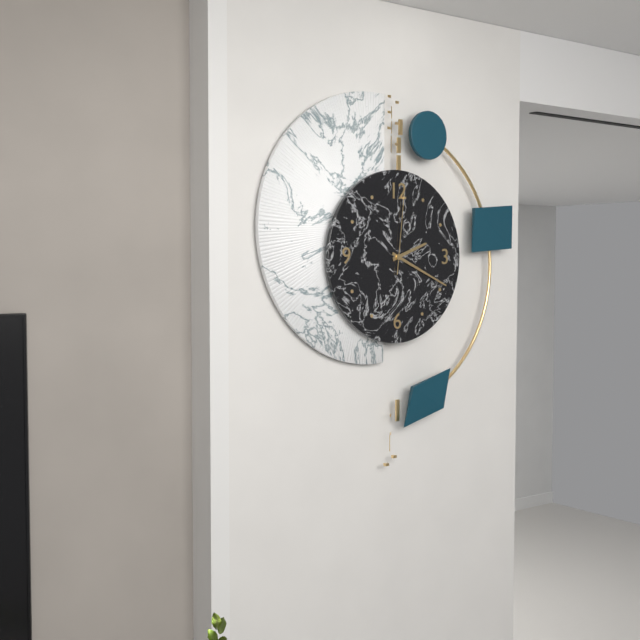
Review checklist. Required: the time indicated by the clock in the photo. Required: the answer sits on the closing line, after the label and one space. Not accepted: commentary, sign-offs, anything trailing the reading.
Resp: 2:19:01
